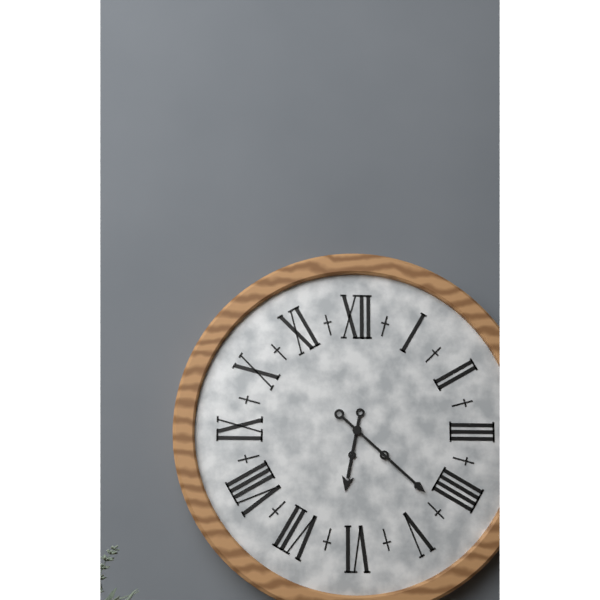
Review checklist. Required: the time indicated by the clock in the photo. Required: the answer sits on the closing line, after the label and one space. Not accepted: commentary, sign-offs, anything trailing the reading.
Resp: 6:22
